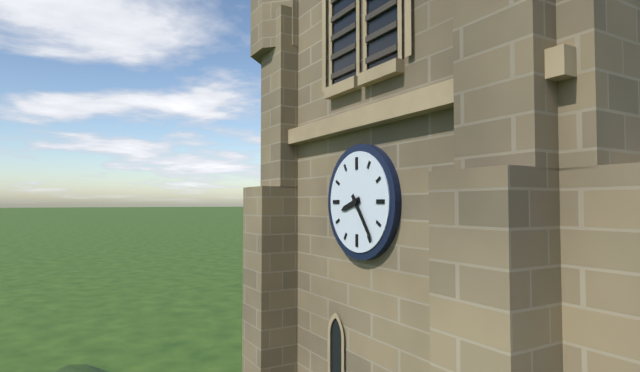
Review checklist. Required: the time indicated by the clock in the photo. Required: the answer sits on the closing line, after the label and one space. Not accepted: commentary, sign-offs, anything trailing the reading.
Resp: 8:24
